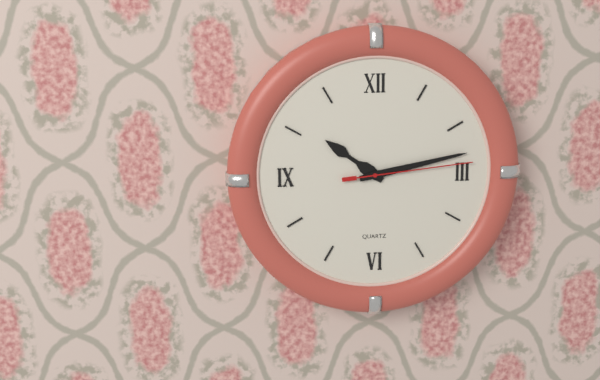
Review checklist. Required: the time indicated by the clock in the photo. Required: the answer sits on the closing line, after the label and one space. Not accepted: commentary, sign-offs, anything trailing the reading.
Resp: 10:13:14
